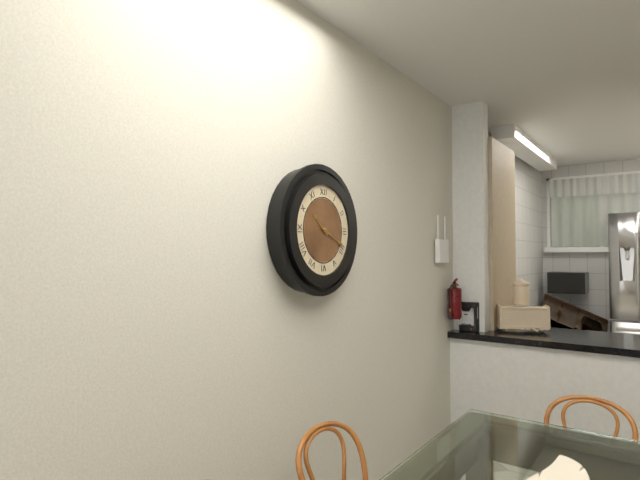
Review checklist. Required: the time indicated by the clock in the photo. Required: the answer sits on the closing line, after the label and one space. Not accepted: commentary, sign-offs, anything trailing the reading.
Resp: 10:19
